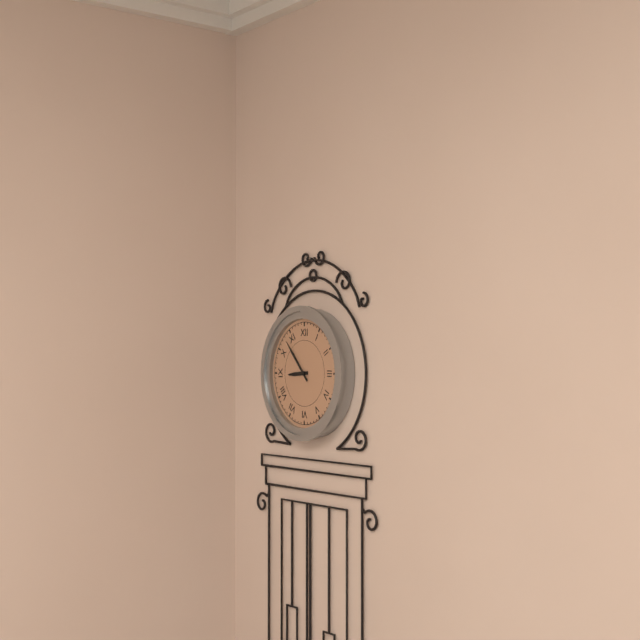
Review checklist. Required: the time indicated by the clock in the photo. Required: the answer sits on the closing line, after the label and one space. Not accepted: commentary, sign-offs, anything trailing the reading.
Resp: 8:53
